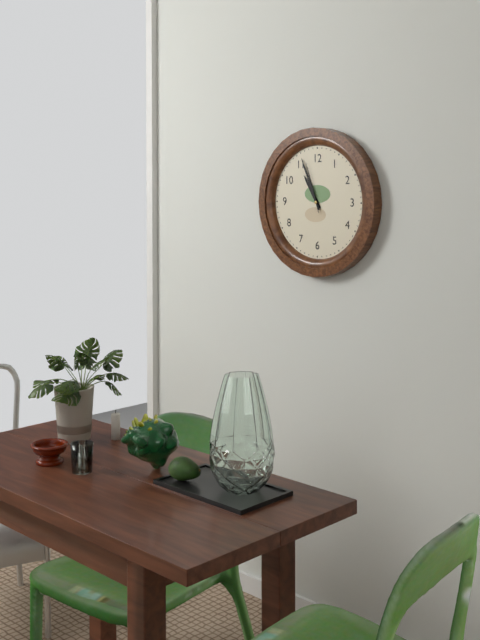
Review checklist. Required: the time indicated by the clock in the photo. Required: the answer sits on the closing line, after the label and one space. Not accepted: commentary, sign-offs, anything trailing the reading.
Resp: 10:56:57
